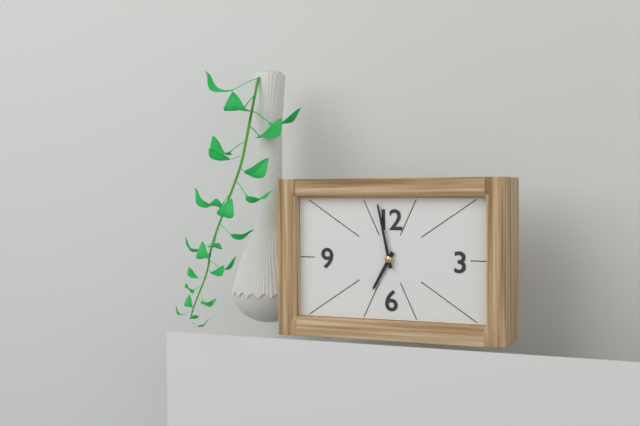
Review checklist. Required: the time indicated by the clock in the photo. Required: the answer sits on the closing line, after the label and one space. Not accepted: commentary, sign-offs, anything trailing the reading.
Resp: 6:58
